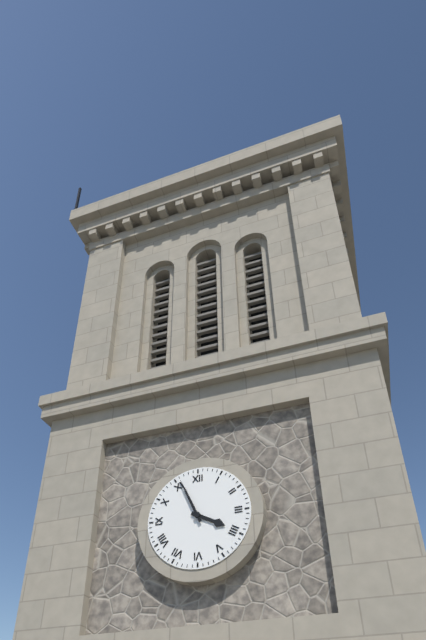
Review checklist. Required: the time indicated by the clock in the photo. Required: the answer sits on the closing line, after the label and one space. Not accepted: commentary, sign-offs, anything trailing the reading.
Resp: 3:56
